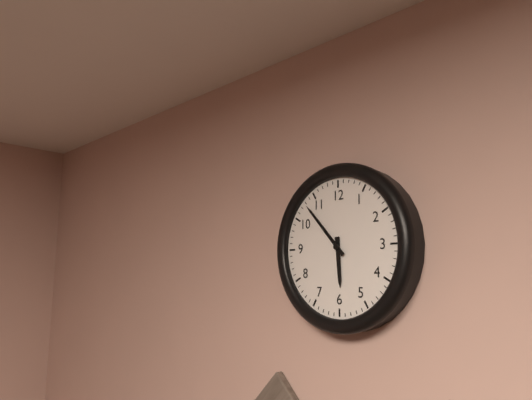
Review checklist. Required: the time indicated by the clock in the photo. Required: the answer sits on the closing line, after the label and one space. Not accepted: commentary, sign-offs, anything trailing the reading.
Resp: 5:53
